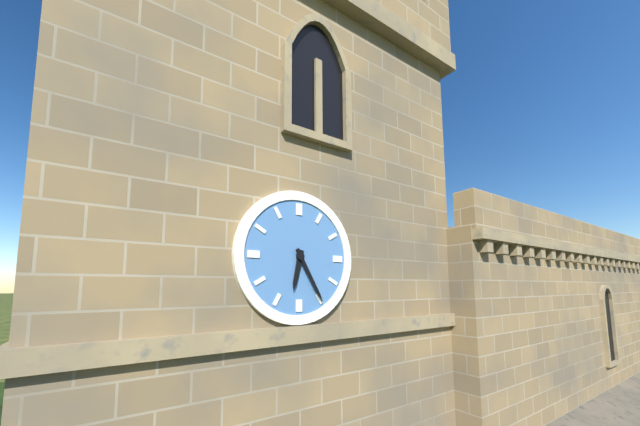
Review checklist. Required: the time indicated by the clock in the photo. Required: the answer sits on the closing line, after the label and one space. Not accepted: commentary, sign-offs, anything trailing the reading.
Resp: 6:25
